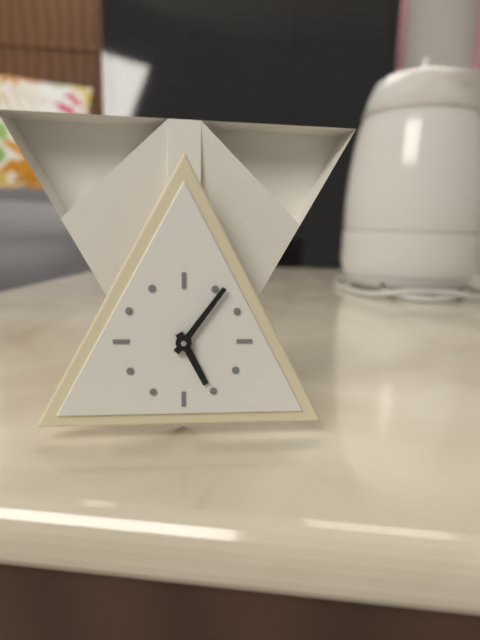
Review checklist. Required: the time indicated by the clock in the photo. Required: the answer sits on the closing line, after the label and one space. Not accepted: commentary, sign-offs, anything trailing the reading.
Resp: 5:06
